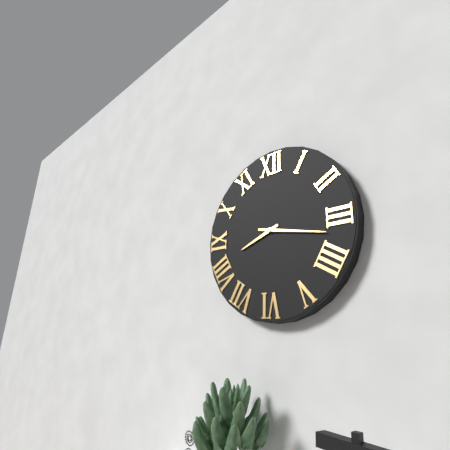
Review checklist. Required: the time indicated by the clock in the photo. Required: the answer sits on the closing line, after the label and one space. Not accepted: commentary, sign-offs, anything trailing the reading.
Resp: 8:17
